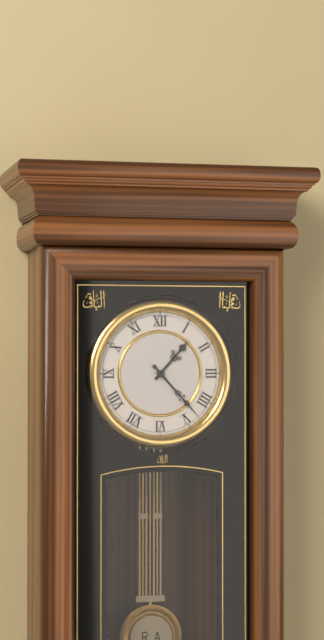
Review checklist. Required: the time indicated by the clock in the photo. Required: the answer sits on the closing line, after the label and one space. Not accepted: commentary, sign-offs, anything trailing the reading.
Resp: 1:23
